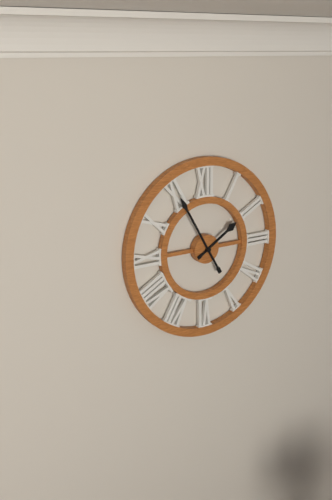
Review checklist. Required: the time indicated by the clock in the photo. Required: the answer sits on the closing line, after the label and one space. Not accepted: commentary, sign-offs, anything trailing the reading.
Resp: 1:55
